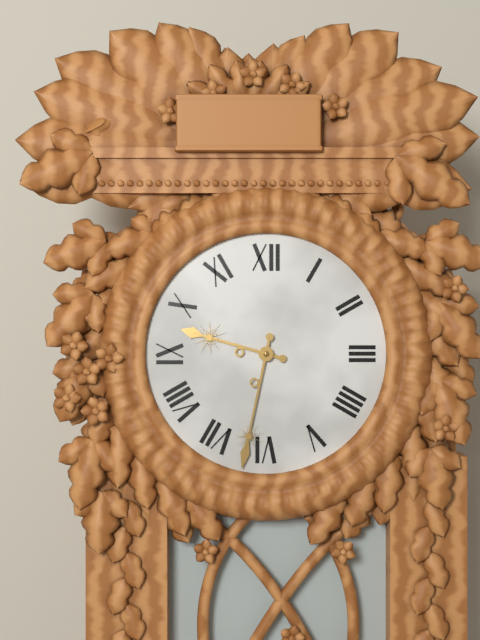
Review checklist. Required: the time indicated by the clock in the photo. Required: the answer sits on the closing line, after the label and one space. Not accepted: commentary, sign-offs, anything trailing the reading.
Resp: 9:32
